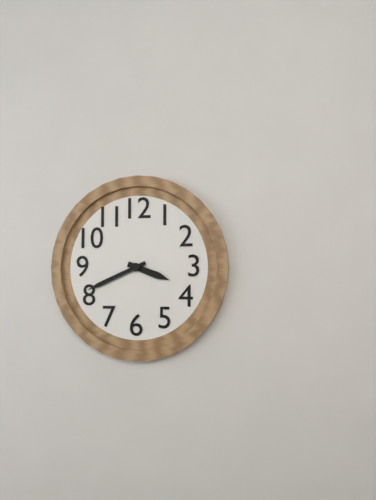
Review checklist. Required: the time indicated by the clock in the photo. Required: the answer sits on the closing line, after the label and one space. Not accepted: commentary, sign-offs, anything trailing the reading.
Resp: 3:41
